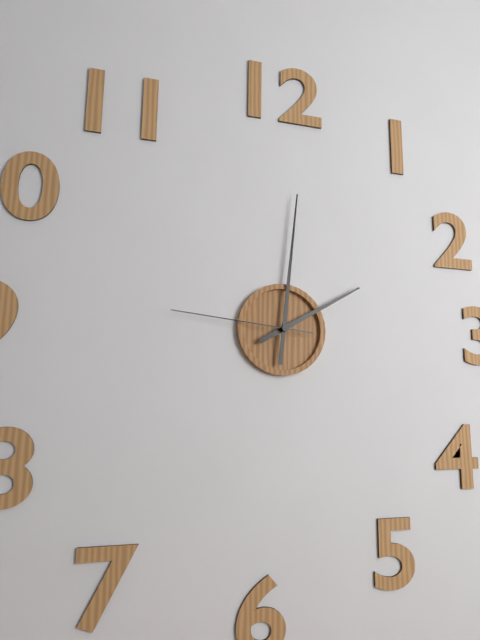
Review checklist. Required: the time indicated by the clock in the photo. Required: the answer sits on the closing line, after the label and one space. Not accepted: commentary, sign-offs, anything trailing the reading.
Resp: 2:01:46
